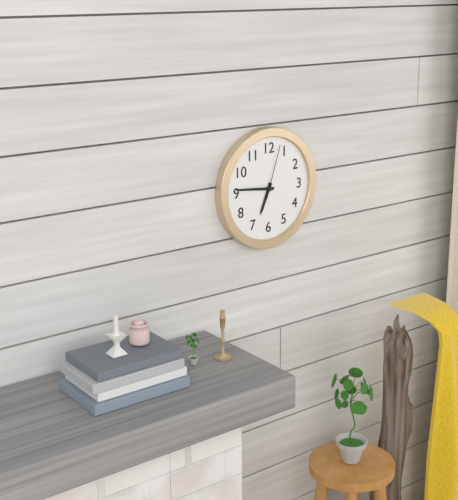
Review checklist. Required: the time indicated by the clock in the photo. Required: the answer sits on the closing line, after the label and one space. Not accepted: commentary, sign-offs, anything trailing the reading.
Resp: 6:46:03
